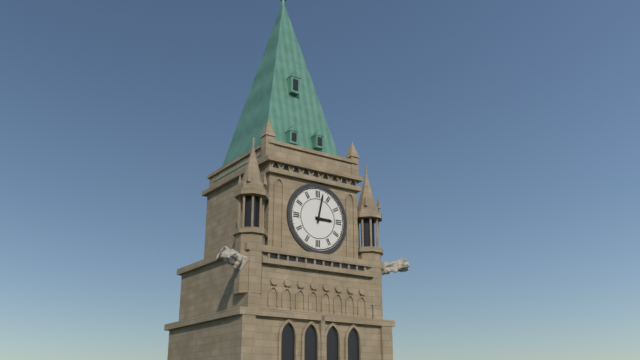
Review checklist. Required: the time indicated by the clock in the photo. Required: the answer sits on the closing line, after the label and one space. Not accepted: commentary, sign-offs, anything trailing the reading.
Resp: 3:02
